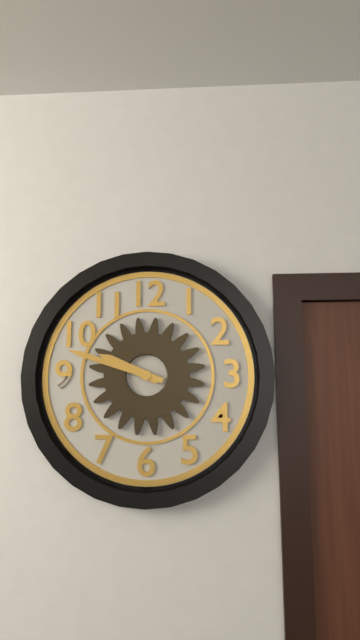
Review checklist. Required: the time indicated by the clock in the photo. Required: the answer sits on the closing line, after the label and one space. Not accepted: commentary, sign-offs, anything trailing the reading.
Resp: 9:48
